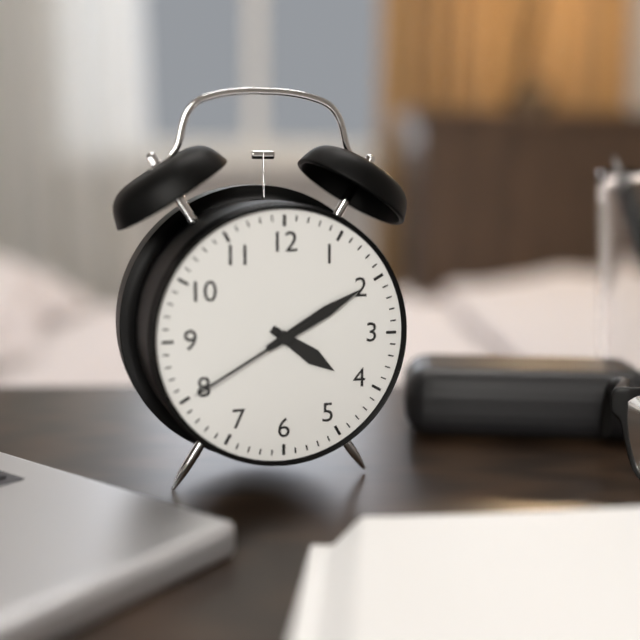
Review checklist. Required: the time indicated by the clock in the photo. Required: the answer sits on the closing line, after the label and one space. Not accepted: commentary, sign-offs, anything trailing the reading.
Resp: 4:10:40
